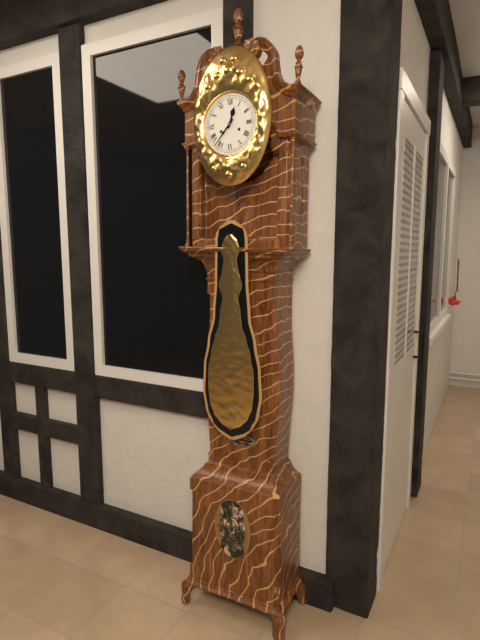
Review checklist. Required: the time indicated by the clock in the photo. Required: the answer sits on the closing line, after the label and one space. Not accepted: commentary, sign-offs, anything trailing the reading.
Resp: 12:37
